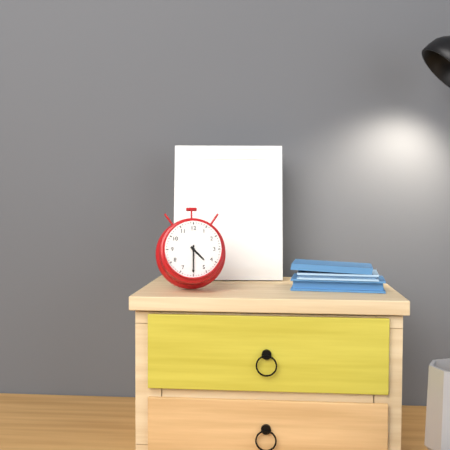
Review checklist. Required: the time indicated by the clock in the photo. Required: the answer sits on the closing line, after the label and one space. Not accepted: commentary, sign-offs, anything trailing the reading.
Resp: 4:30
